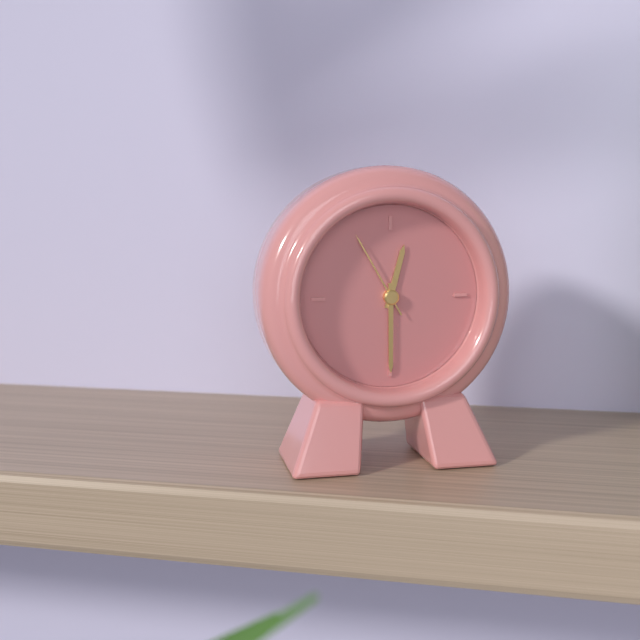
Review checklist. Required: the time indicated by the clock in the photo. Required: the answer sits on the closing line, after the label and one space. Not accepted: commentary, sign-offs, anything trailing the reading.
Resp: 12:30:55
